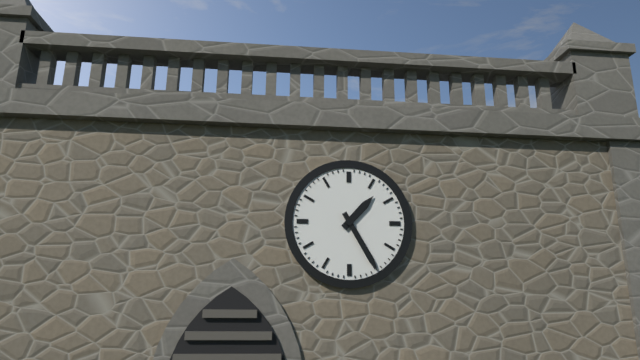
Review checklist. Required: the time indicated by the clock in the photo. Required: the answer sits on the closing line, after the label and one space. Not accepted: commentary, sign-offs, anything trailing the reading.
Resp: 1:25
